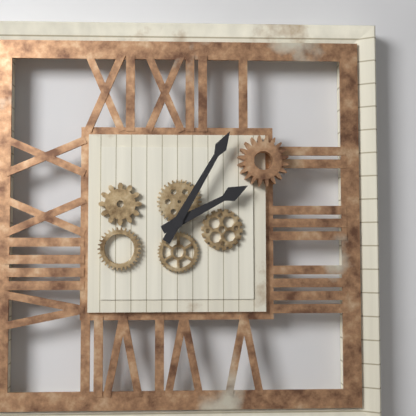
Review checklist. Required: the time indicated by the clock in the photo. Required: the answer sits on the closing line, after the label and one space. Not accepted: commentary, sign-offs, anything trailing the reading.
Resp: 2:05
